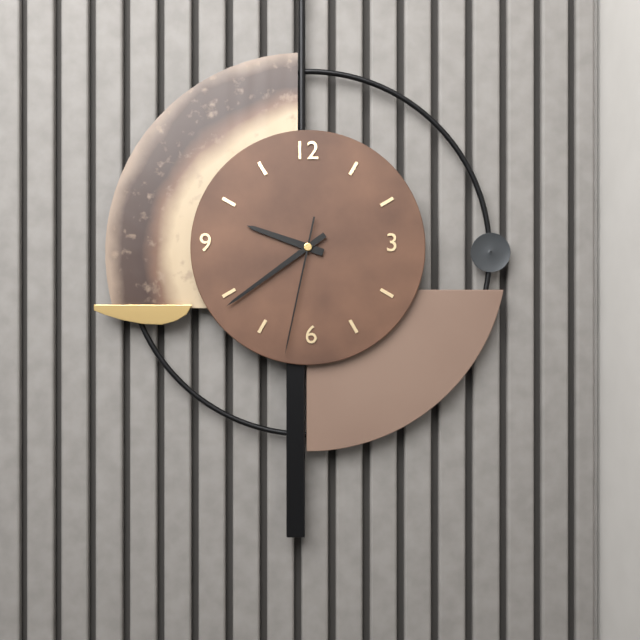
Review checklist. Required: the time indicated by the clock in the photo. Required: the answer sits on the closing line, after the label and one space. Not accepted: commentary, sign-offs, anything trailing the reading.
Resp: 9:39:32
